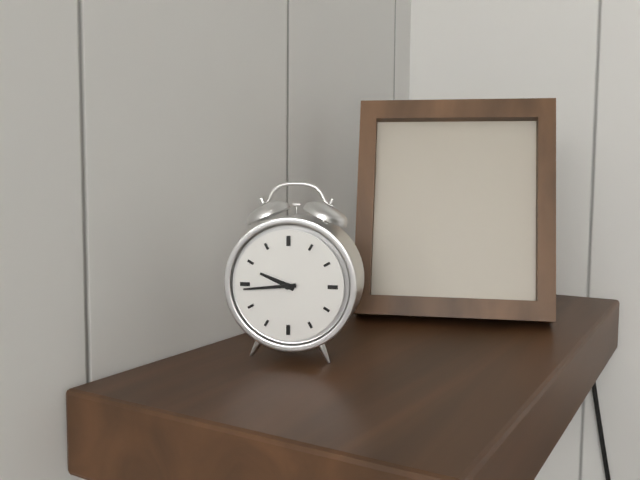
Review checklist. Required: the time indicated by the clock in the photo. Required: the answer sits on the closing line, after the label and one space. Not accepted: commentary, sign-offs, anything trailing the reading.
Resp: 9:44
